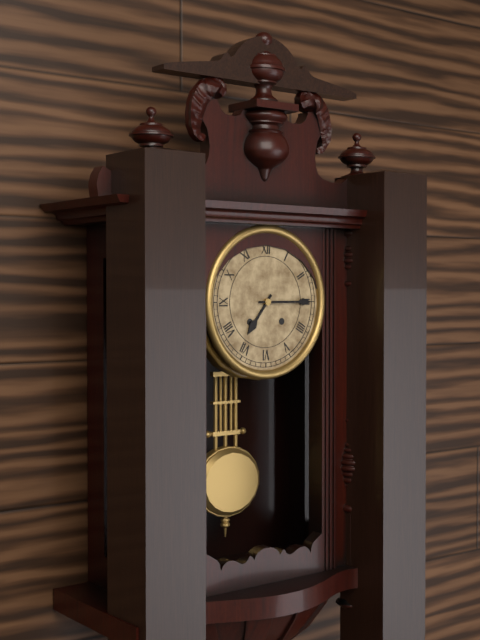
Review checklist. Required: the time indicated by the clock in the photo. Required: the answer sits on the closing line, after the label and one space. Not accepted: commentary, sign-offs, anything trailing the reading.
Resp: 7:15
